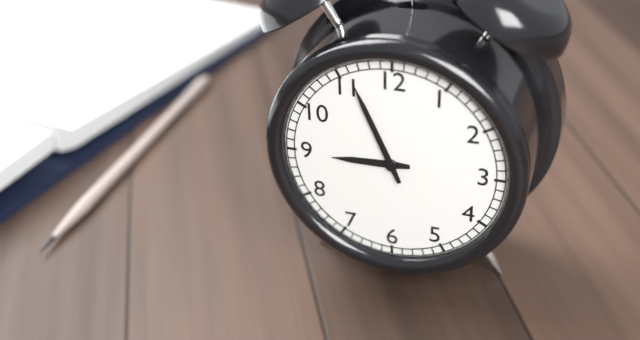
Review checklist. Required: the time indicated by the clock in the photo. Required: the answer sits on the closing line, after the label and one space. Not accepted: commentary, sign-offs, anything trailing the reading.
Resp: 8:56
